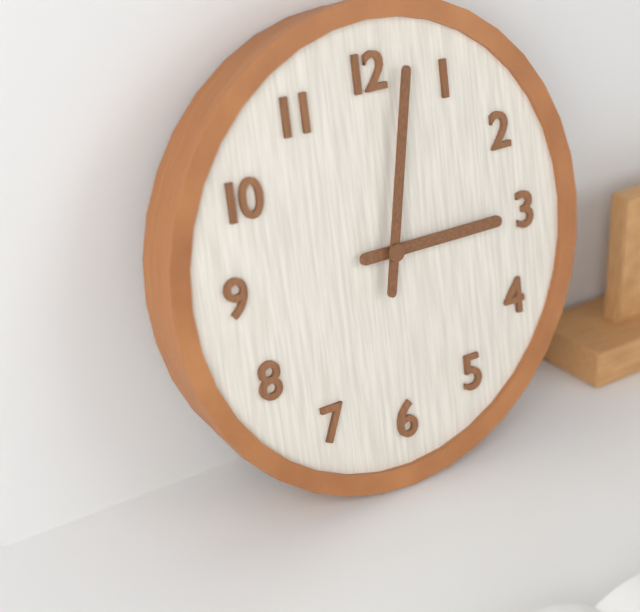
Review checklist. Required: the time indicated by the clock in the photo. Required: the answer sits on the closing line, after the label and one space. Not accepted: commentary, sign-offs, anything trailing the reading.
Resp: 3:02
